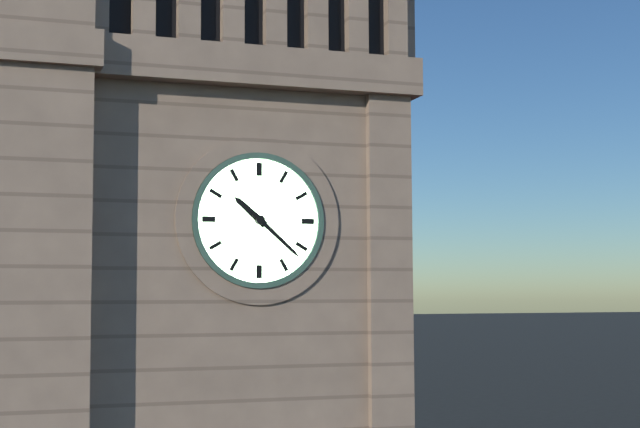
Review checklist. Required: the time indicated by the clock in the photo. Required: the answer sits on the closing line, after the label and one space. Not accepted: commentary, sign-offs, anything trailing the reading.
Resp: 10:22
